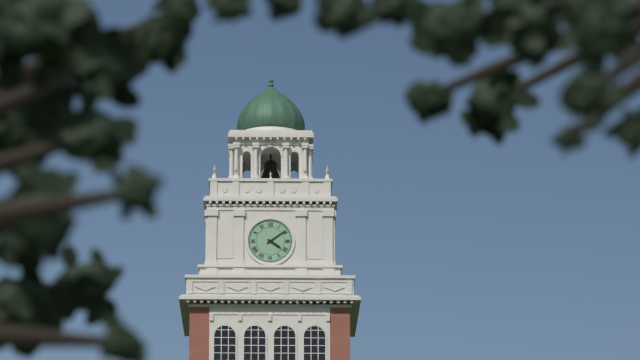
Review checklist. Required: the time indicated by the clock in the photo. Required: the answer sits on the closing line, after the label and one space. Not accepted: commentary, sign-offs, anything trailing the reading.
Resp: 4:09
